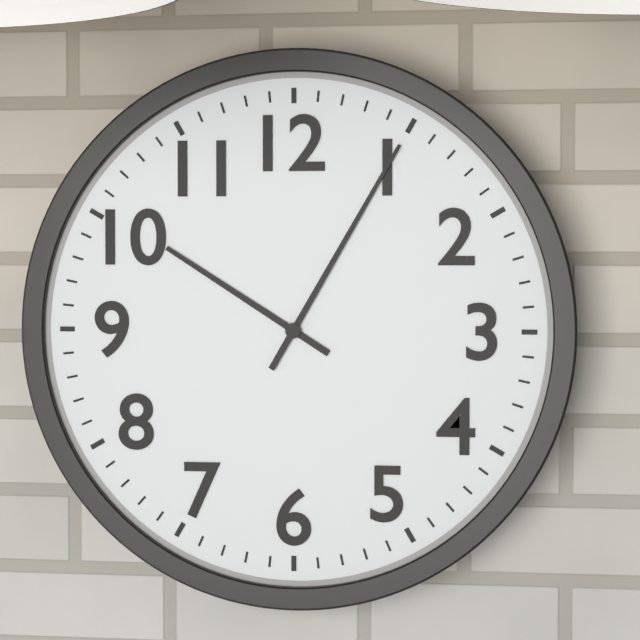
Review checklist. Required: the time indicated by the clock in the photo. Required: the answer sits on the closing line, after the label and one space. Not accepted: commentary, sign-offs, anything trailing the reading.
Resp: 10:05
